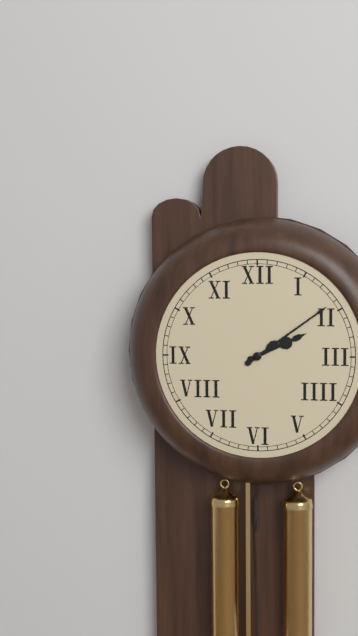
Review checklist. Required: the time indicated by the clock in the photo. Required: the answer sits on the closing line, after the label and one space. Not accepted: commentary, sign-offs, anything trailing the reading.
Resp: 2:09
